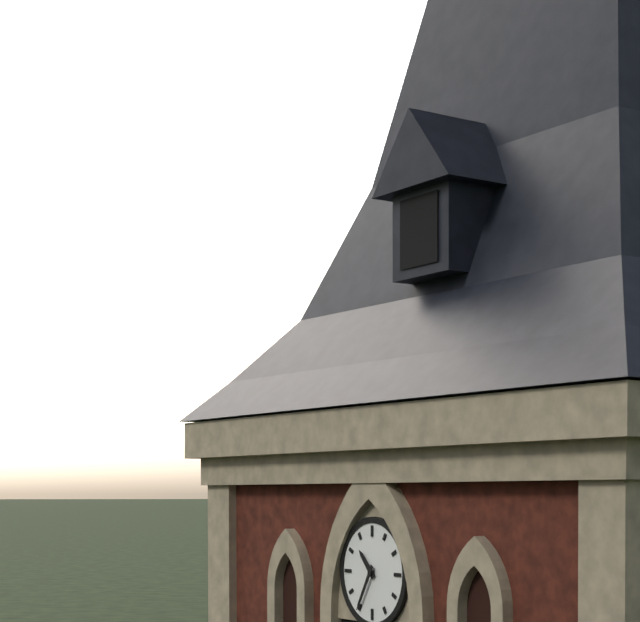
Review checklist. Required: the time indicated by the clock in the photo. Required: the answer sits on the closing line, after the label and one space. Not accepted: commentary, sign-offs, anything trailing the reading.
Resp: 10:35
